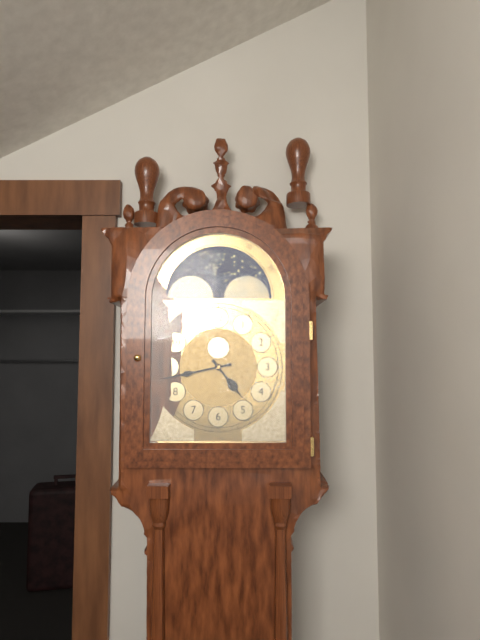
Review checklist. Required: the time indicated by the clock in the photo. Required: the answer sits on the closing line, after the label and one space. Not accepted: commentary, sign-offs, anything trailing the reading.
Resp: 4:43
